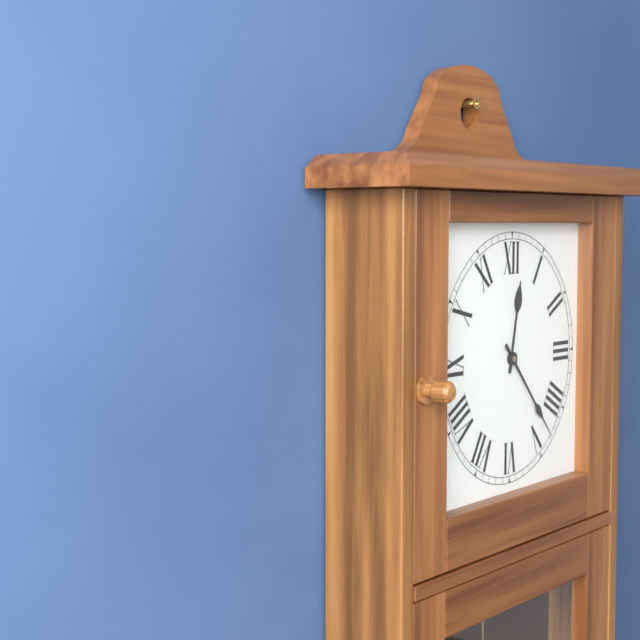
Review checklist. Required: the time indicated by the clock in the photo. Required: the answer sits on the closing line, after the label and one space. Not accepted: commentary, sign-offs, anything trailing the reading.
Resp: 12:23
